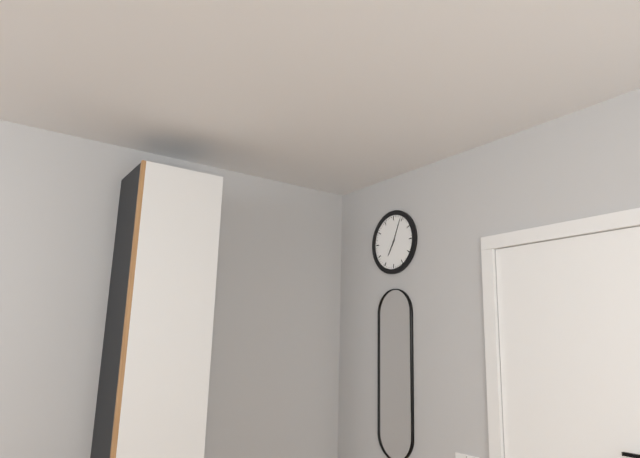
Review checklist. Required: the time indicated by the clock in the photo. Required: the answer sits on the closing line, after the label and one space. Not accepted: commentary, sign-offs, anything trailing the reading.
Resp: 7:04
